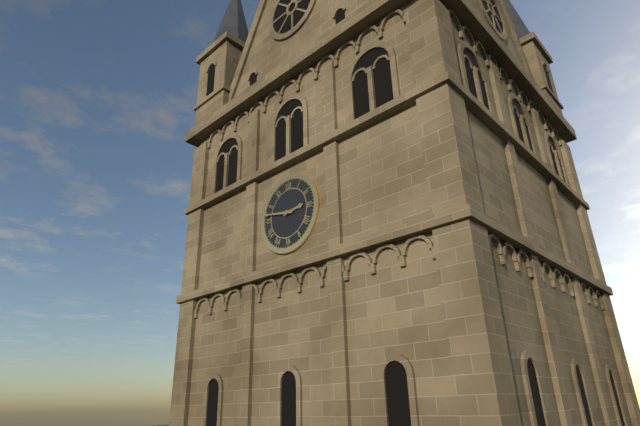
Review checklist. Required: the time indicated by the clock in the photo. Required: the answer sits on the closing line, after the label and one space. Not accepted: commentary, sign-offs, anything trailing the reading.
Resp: 2:47
